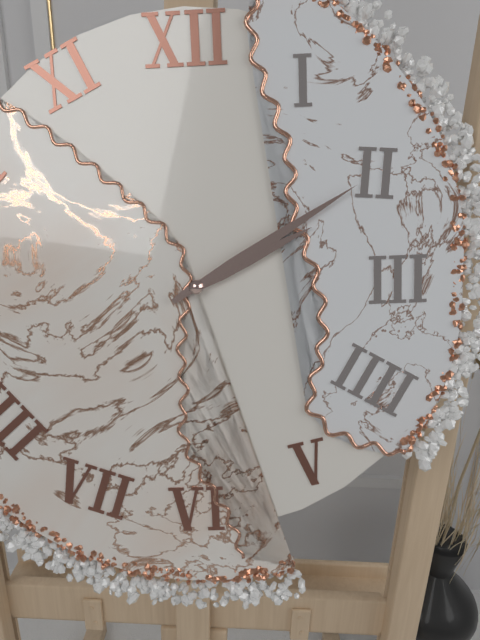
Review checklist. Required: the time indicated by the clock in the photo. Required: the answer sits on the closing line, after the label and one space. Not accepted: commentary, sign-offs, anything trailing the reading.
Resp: 2:10
